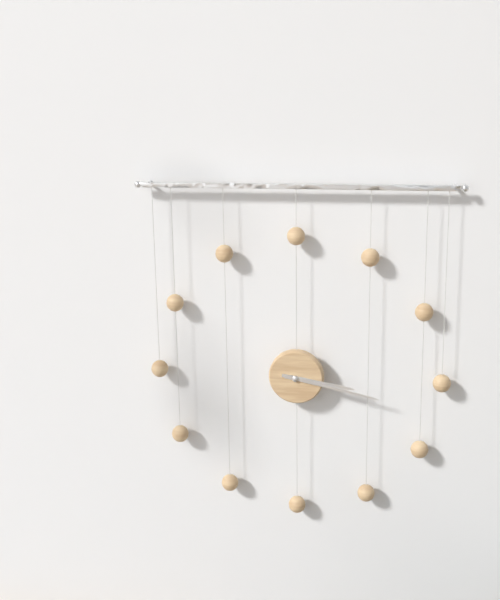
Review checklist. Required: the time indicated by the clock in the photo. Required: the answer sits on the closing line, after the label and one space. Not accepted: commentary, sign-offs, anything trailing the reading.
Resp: 3:17
